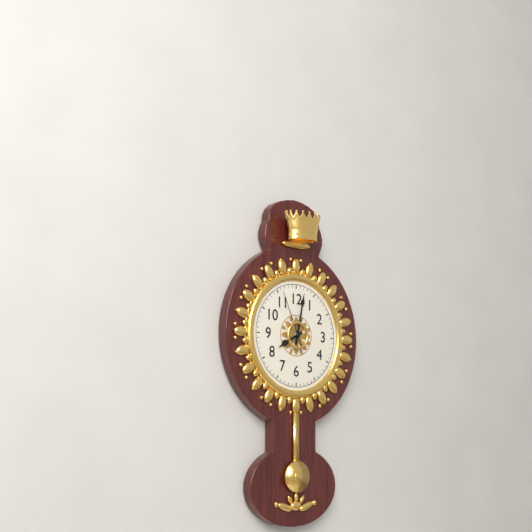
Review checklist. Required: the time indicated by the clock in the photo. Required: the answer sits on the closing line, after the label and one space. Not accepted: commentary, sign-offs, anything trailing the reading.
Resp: 8:02:56
